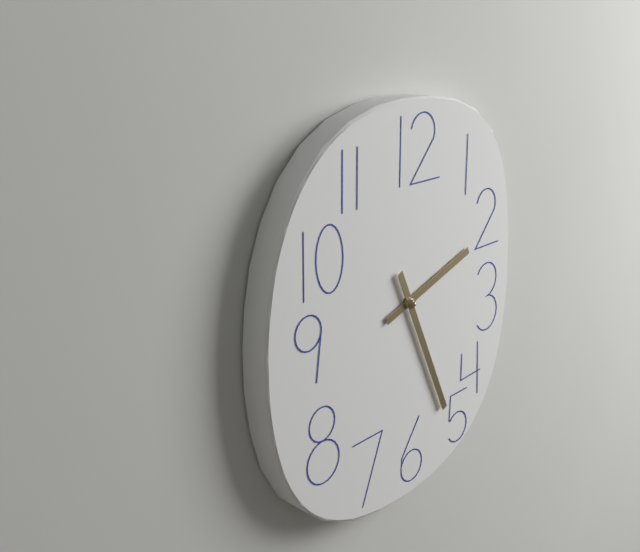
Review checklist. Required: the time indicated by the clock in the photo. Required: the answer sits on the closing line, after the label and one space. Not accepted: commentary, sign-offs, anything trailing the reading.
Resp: 2:26
